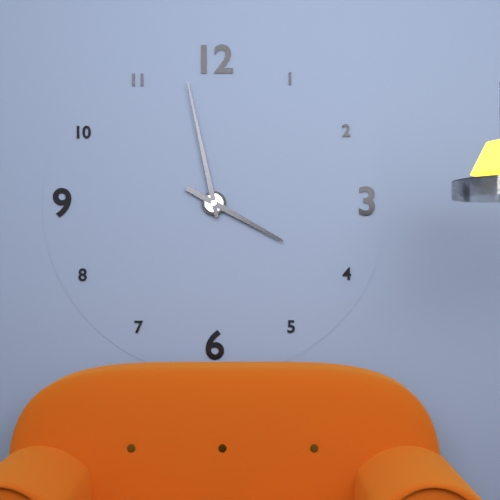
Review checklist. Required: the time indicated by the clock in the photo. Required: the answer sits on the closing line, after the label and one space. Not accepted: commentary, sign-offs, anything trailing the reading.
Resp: 3:58
